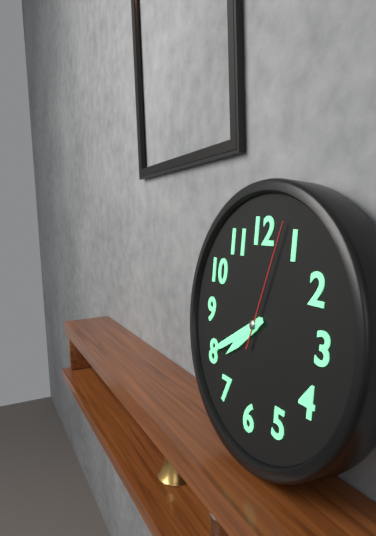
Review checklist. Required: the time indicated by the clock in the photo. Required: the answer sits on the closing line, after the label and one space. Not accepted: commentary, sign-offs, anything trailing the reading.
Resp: 7:40:03
